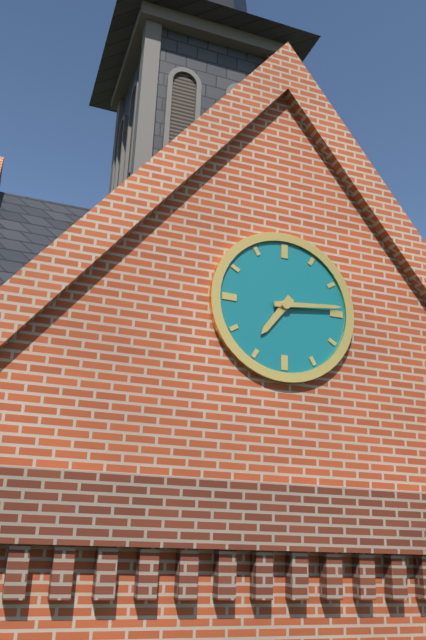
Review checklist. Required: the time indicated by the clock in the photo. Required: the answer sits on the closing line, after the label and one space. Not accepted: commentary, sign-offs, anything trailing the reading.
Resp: 7:14
